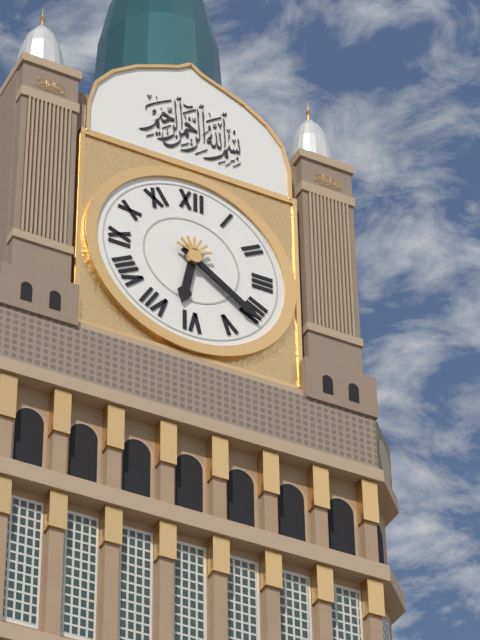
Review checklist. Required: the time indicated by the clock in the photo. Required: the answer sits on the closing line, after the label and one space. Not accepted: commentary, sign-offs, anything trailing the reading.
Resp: 6:21
